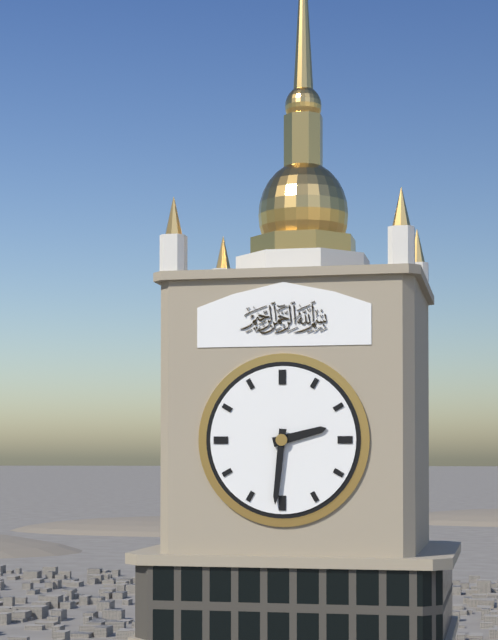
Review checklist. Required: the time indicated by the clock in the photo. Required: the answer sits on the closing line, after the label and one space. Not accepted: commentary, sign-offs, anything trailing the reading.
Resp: 2:31
